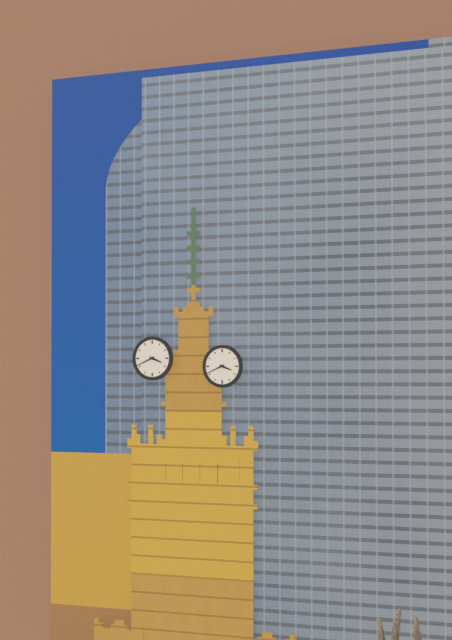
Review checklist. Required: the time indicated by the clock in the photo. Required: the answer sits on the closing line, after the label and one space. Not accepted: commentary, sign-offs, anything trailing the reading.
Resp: 3:41
